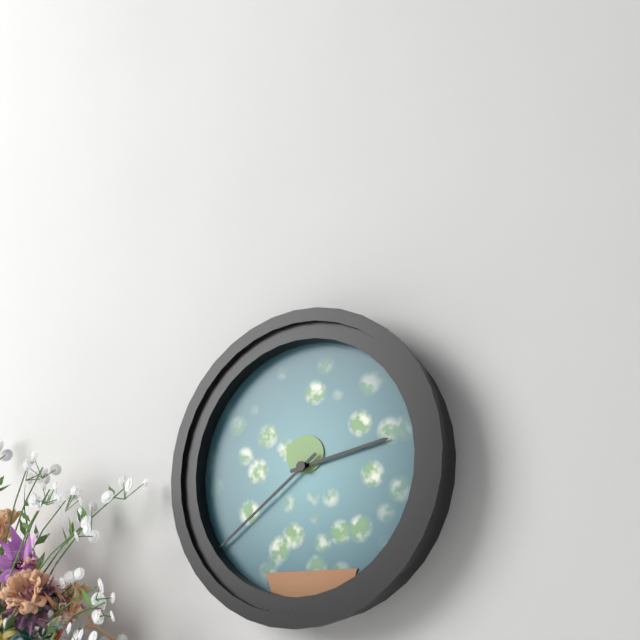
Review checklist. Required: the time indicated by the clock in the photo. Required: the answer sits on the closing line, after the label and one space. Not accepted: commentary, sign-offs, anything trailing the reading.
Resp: 2:39
